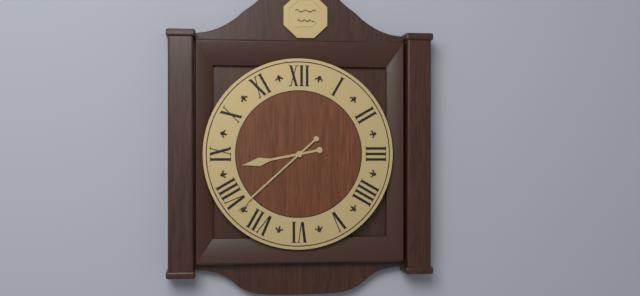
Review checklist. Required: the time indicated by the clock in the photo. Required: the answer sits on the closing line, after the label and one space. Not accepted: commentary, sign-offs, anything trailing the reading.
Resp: 8:38
